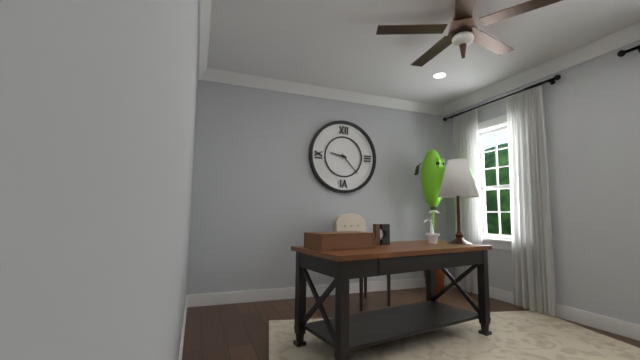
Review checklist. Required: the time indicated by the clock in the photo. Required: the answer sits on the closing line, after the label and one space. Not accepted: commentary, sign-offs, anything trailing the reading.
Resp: 9:23
